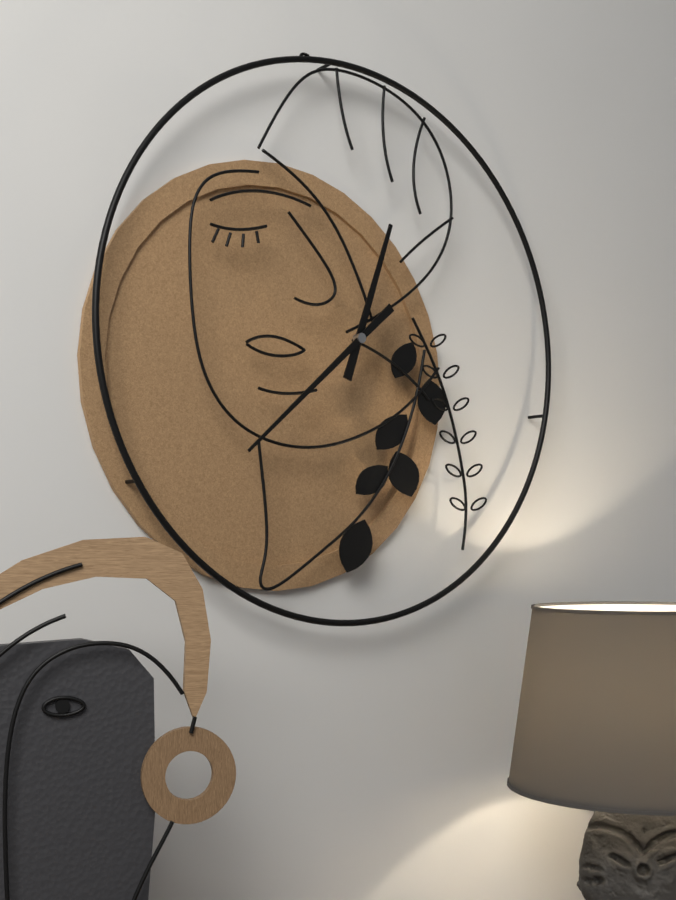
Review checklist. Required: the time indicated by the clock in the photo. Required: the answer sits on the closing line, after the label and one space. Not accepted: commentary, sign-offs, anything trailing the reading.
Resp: 12:38
